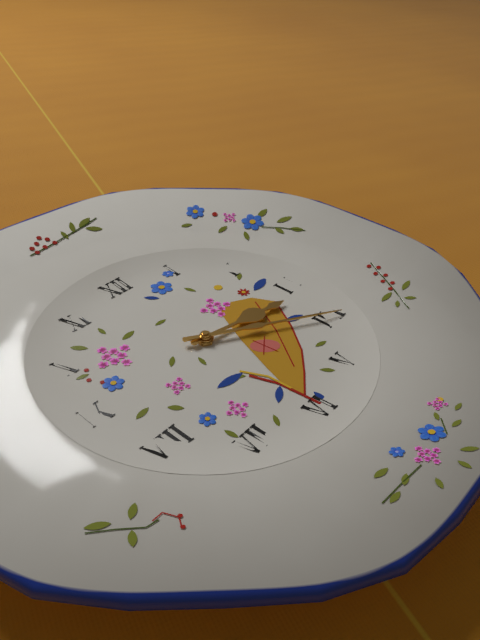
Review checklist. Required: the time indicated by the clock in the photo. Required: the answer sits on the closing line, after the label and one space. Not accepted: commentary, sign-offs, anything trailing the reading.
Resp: 3:20
